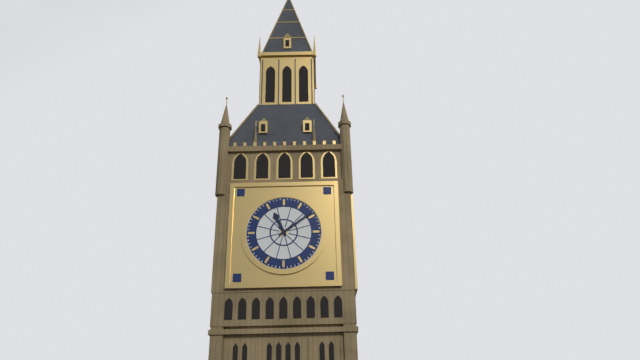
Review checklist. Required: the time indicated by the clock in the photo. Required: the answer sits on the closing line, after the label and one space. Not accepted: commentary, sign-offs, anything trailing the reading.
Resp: 11:09
